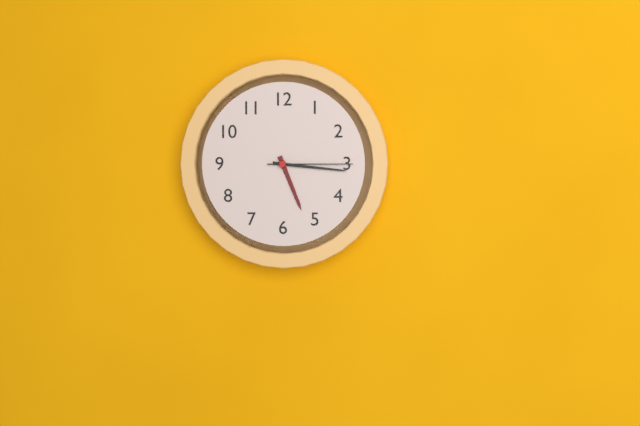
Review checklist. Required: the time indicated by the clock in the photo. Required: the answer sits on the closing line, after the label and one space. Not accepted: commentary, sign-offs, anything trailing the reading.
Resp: 5:16:15
